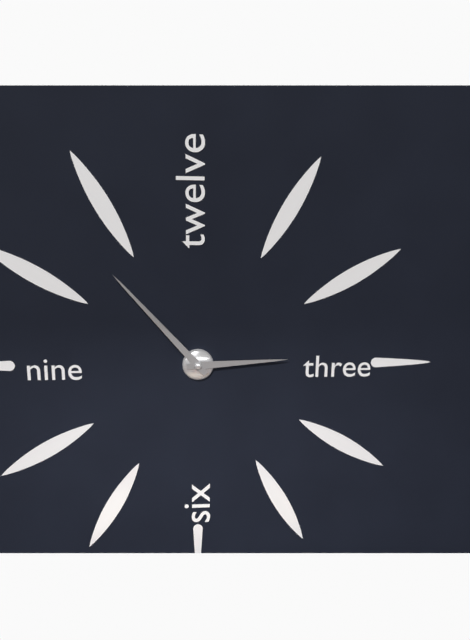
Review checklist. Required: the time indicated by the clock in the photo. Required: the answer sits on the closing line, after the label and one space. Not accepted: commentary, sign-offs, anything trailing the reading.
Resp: 2:53
